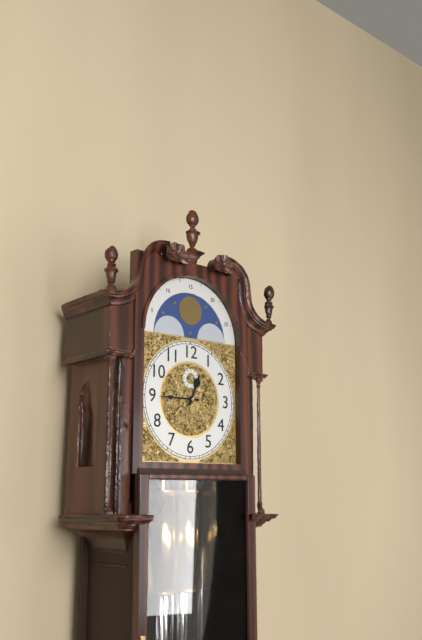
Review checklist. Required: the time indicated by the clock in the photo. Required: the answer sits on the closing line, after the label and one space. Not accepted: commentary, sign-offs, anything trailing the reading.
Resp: 12:45
